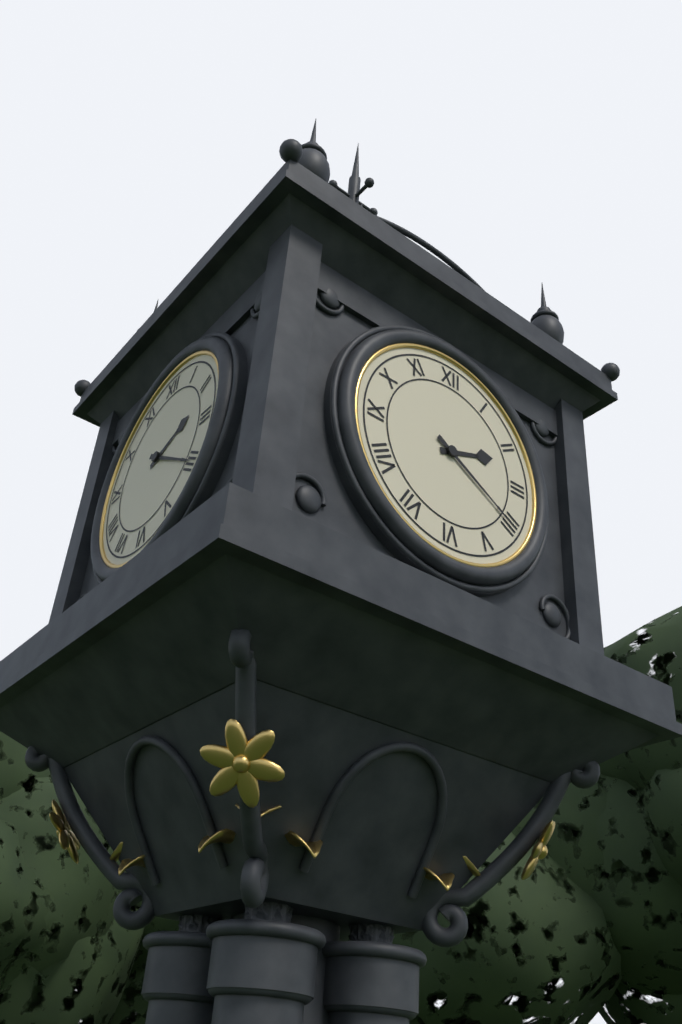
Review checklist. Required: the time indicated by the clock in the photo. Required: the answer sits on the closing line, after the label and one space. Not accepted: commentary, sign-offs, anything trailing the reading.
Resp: 2:20
